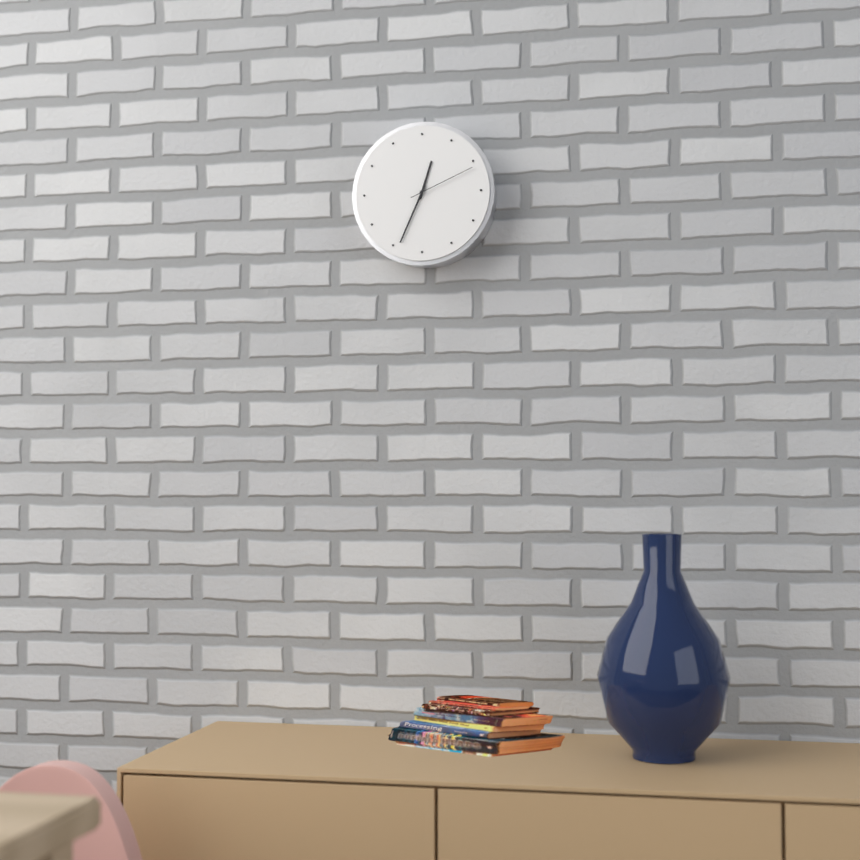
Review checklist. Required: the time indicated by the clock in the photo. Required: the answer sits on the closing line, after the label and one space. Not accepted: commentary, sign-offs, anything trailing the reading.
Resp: 12:34:11
